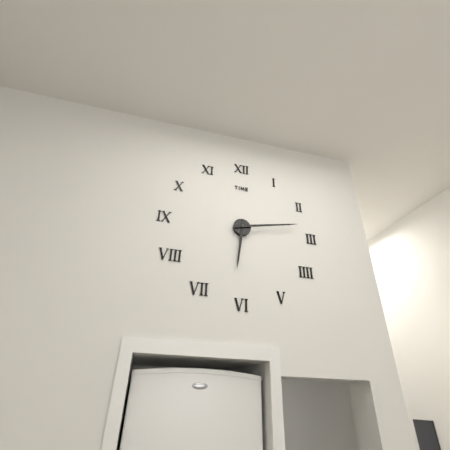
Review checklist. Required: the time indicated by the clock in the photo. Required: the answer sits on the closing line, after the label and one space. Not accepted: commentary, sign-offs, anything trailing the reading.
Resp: 6:13
